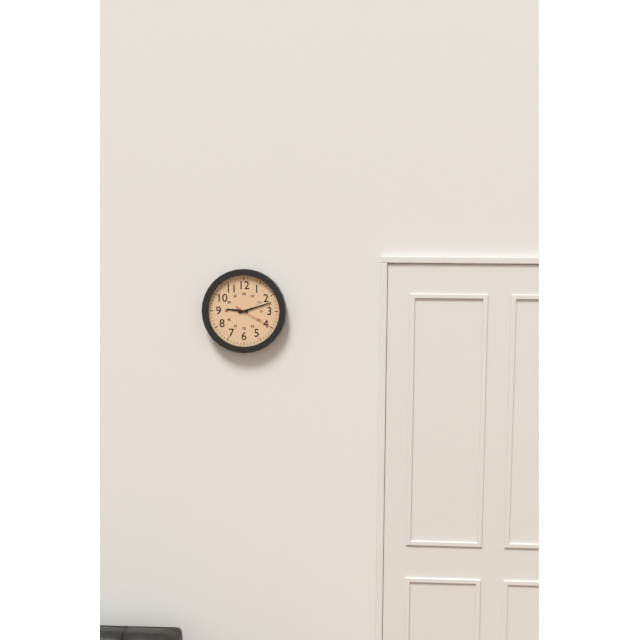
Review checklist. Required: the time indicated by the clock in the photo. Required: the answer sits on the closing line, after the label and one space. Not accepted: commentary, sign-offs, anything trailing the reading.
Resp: 9:12
